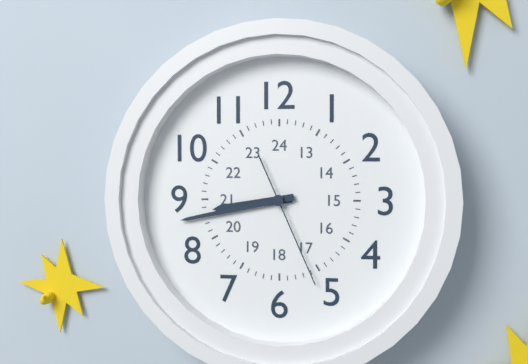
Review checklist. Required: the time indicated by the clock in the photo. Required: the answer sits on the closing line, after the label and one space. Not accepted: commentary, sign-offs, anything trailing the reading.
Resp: 8:43:26
